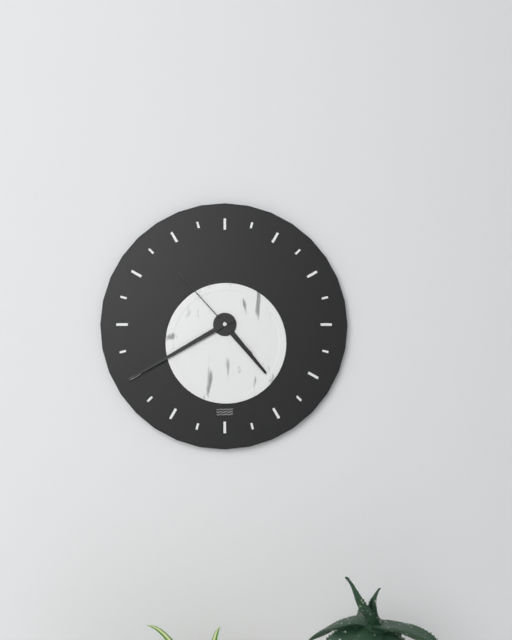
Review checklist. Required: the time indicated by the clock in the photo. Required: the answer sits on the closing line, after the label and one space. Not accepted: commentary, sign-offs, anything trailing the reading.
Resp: 4:40:53
